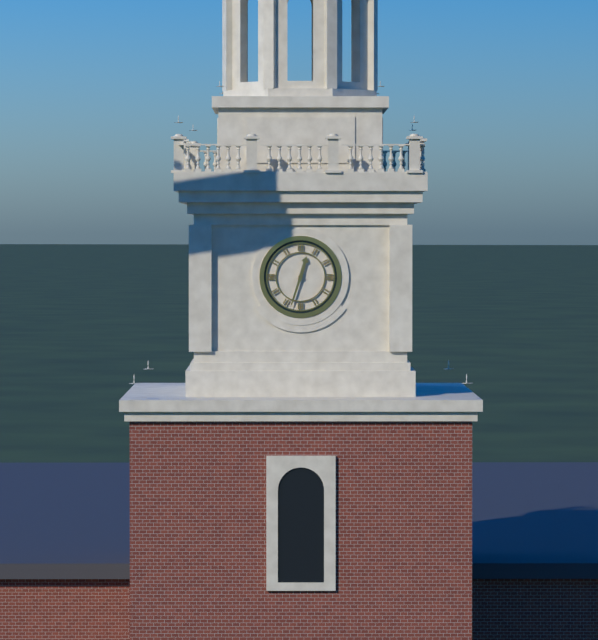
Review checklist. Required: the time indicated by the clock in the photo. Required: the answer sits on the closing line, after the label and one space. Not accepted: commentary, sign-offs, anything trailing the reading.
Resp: 12:33
